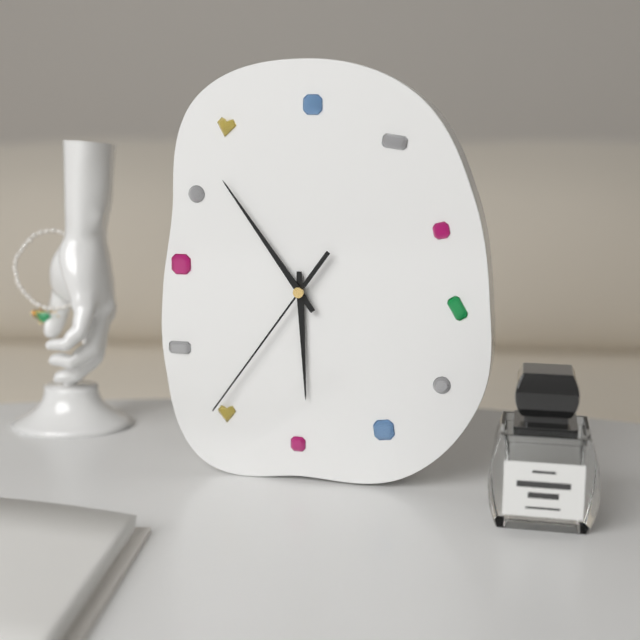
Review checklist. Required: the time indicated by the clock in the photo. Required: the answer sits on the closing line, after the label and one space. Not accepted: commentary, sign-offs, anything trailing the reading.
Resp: 5:54:36
